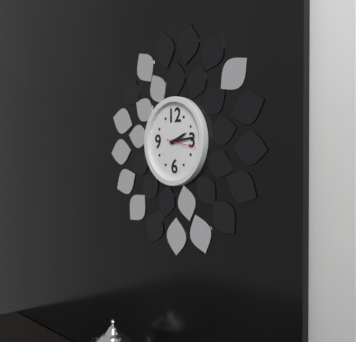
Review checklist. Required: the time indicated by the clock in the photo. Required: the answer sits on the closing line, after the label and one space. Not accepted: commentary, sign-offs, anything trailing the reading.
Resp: 2:14
